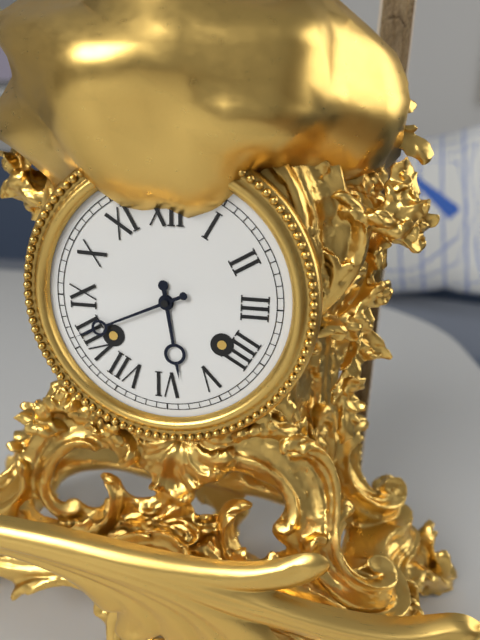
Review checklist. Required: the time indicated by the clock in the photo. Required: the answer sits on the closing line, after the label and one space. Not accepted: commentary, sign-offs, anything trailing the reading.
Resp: 5:41
